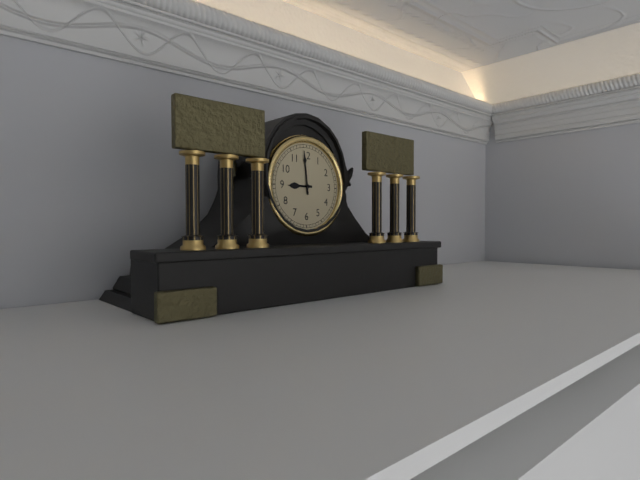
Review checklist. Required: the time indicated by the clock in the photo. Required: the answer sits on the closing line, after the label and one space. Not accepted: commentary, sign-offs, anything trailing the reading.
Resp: 8:59
